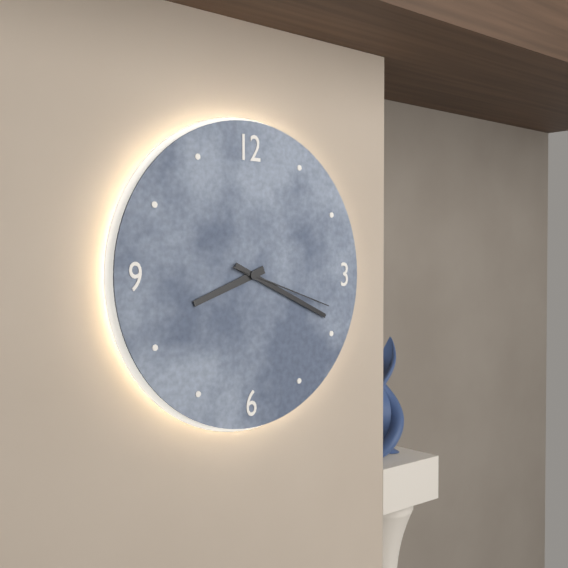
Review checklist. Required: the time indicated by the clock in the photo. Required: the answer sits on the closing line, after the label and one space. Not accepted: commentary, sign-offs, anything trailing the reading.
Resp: 8:19:18
